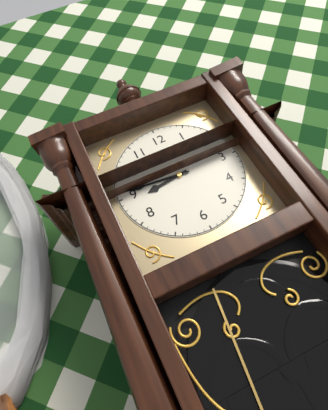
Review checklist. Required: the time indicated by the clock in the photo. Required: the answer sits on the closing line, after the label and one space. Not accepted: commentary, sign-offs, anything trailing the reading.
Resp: 8:46
